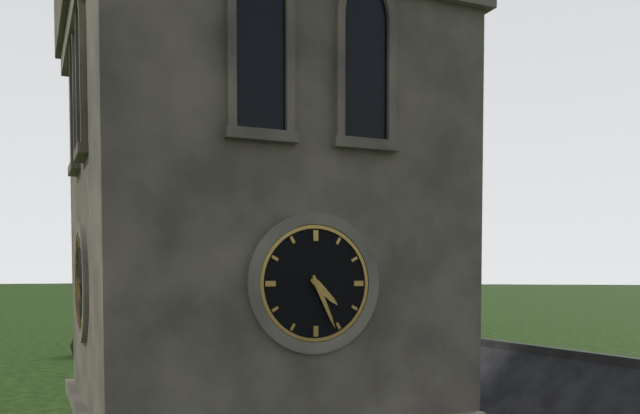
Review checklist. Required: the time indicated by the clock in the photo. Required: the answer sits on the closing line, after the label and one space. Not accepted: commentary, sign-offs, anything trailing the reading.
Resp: 4:26
